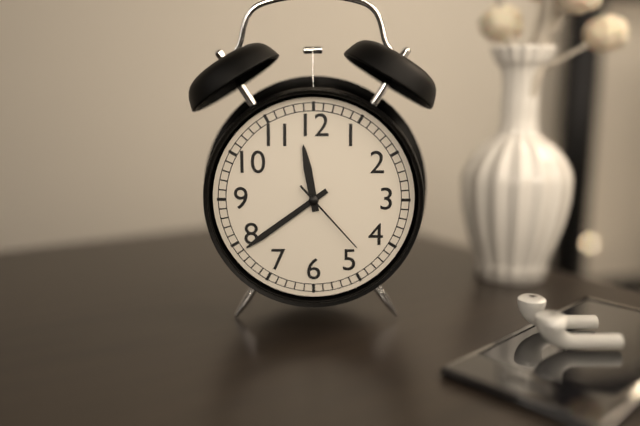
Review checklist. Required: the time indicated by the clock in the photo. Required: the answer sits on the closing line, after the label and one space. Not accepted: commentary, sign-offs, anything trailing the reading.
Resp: 11:39:23
